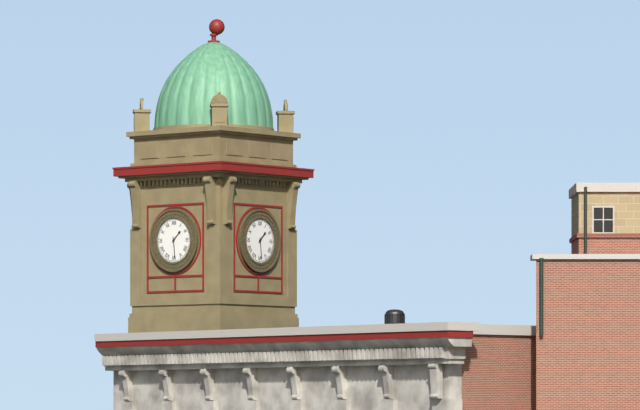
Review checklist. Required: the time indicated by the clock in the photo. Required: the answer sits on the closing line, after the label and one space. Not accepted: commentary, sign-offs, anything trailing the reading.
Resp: 1:29
